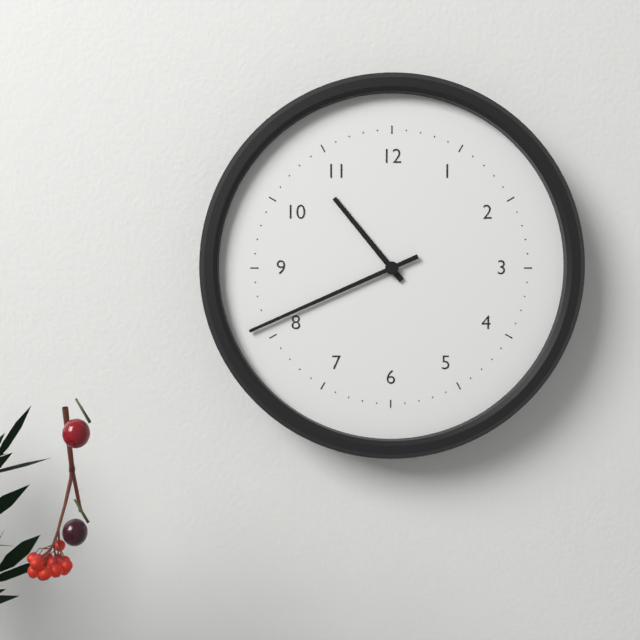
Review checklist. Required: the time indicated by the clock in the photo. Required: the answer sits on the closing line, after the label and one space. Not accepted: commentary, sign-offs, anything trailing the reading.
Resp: 10:41
